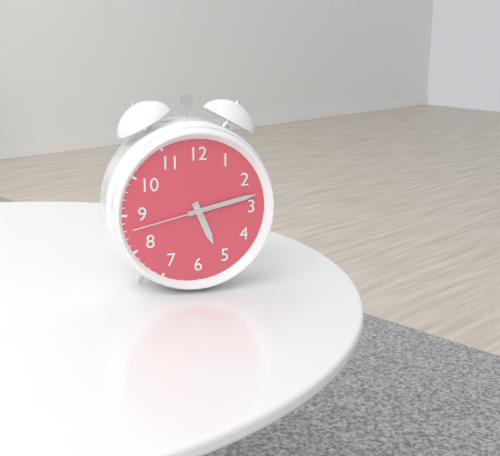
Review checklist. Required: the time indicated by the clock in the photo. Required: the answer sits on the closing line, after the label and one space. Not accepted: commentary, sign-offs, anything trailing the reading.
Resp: 5:13:43
